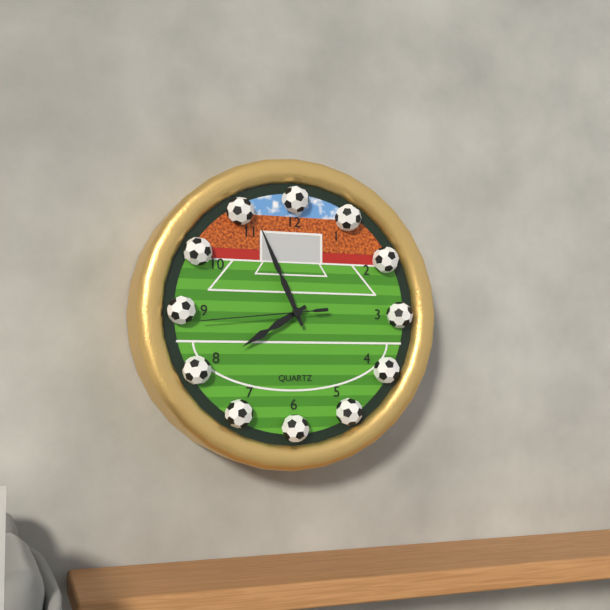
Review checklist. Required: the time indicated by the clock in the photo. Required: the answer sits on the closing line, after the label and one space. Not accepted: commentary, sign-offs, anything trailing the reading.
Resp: 7:56:44
